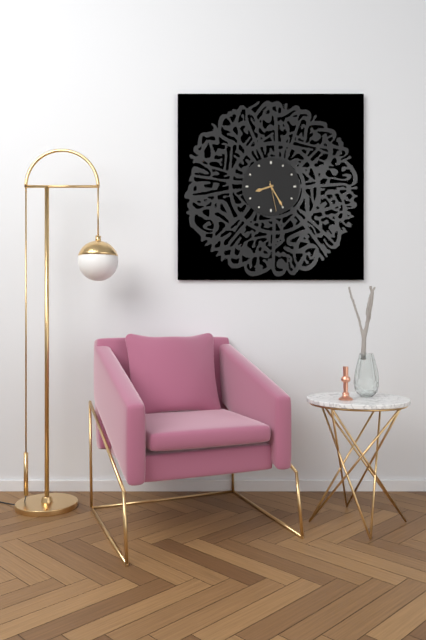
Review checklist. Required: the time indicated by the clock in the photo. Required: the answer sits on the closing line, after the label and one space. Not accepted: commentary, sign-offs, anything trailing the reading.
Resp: 8:25
